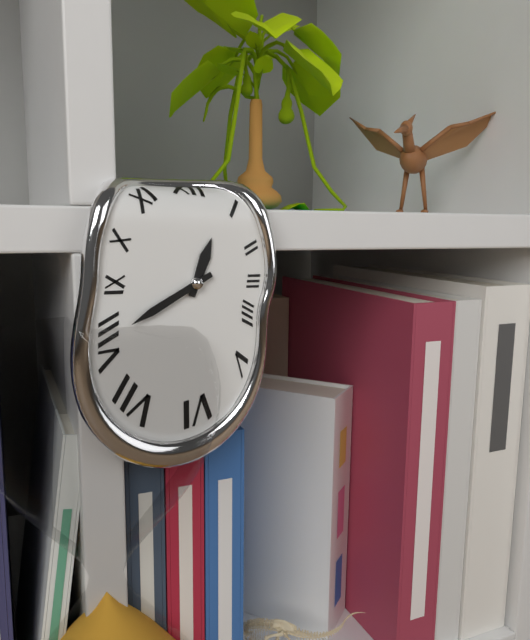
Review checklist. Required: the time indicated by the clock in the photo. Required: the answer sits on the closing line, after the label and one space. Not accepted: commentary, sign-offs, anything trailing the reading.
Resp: 12:40
